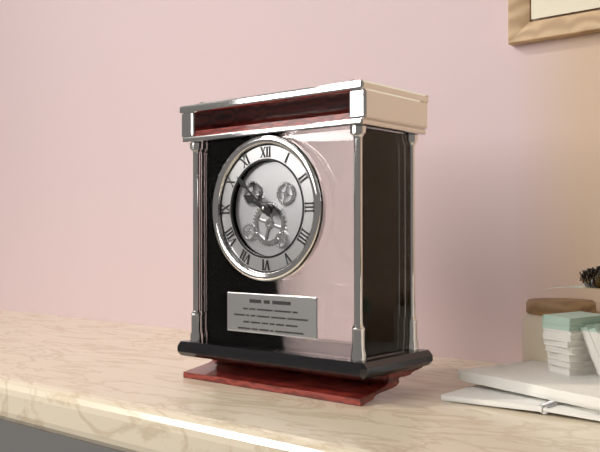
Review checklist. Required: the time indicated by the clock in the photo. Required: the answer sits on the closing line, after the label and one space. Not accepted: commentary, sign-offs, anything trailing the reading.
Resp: 9:52
